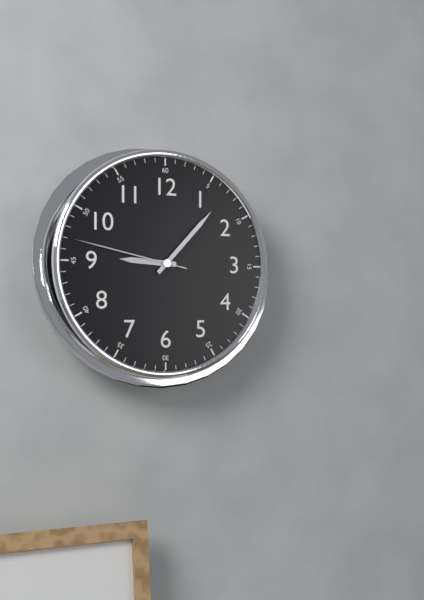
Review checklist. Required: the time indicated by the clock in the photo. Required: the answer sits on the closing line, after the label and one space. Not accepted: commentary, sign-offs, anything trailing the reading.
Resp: 9:07:47
